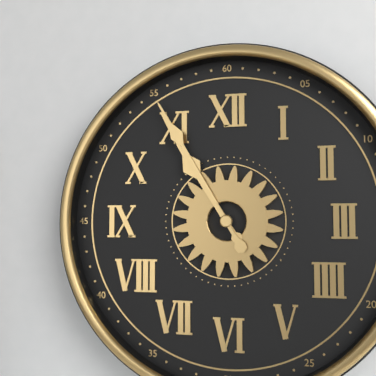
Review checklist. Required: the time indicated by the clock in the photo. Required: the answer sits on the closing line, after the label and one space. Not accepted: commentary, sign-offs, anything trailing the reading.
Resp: 10:55
